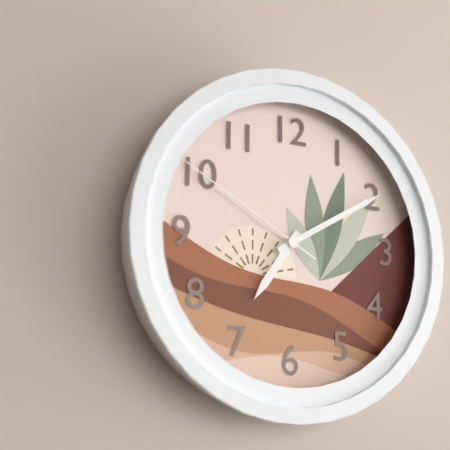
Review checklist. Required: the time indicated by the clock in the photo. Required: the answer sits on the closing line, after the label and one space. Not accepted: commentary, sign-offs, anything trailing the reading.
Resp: 7:10:50
